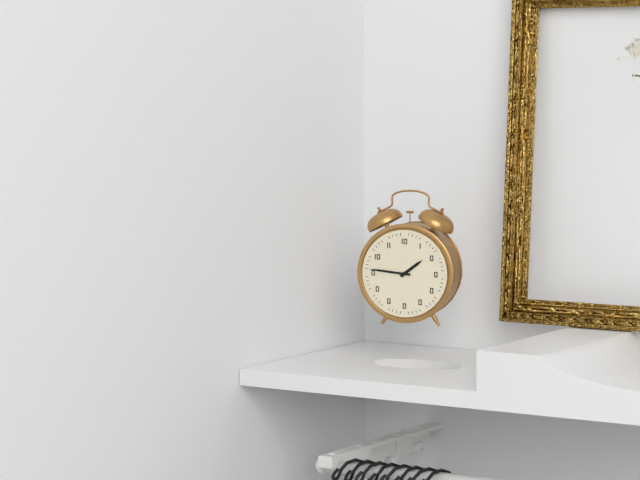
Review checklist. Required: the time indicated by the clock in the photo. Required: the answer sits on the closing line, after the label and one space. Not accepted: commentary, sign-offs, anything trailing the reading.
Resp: 1:46
